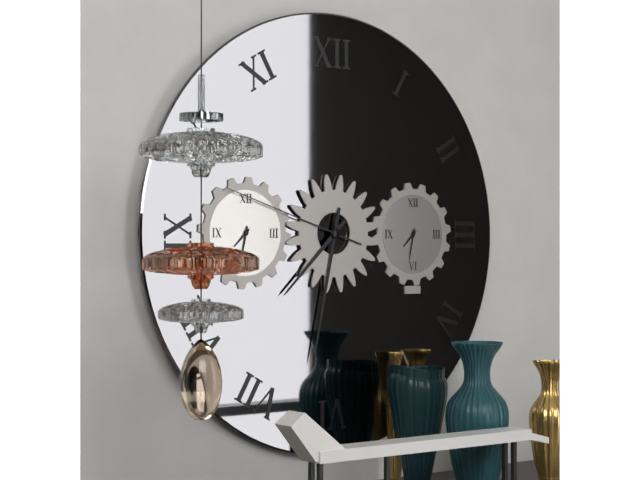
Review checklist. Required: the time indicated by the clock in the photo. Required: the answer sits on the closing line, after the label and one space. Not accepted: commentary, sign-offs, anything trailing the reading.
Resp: 7:32:48
